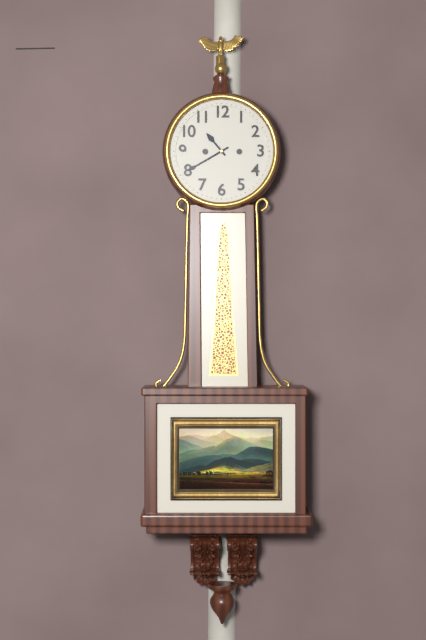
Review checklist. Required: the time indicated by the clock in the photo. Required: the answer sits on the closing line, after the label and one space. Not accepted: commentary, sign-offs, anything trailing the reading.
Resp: 10:40
